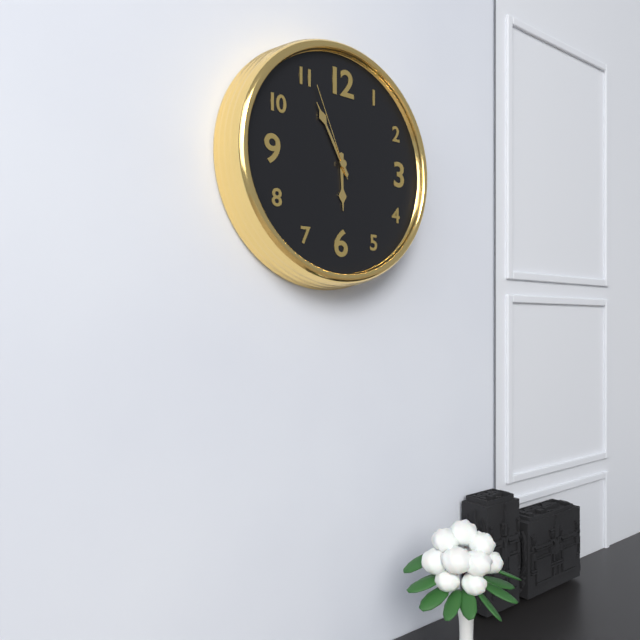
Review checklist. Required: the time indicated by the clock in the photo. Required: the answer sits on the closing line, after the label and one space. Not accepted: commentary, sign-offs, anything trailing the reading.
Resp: 5:55:56
